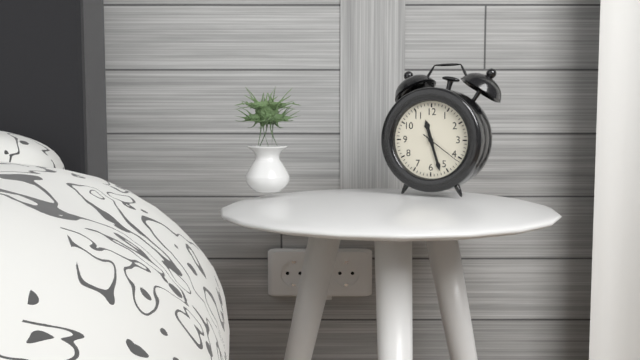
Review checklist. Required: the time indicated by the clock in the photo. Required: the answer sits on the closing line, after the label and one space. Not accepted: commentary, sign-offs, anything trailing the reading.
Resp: 11:27
